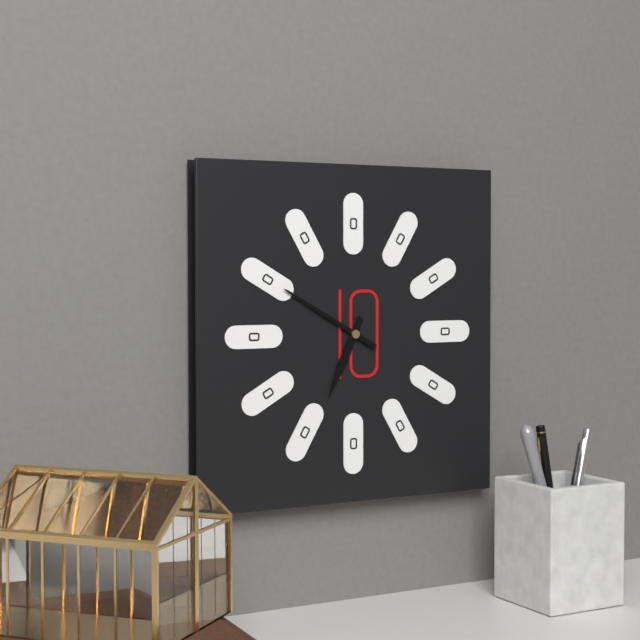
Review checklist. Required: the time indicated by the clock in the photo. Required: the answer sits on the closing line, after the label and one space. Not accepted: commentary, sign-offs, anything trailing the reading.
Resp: 6:50
